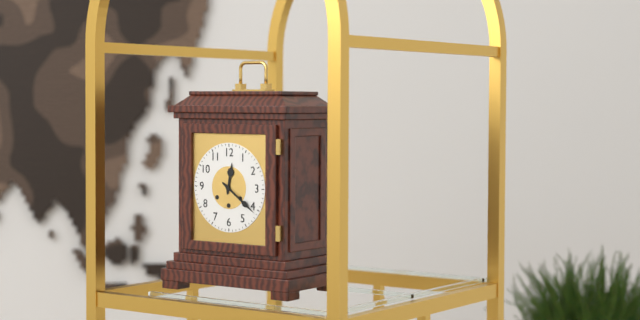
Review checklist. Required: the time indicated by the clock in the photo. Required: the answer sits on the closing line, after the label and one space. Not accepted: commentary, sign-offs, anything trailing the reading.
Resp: 12:21
